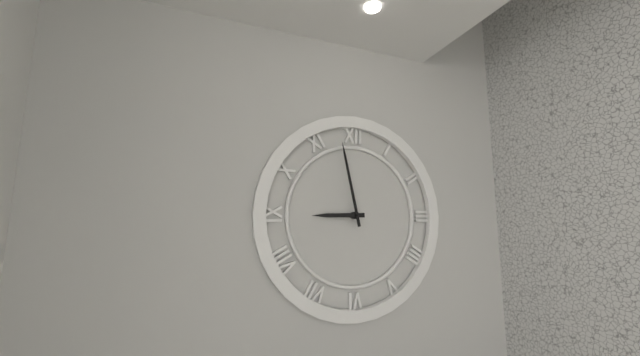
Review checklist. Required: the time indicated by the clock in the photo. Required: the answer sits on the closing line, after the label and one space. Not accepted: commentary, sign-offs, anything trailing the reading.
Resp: 8:58
